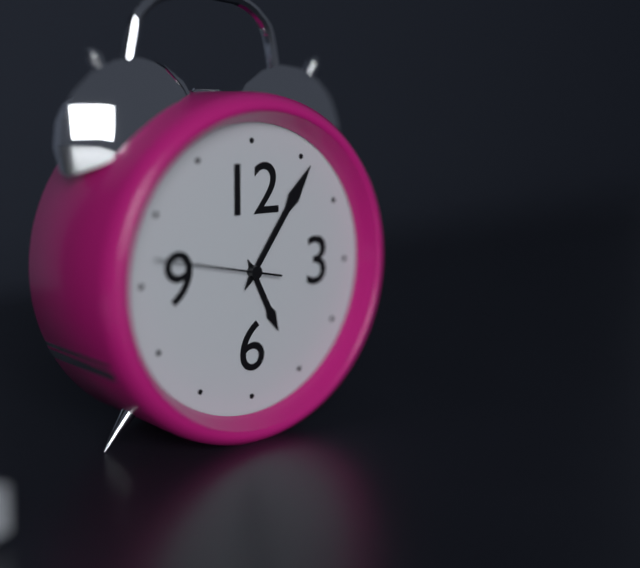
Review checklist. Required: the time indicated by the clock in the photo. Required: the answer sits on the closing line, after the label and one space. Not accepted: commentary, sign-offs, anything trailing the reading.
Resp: 5:06:47
